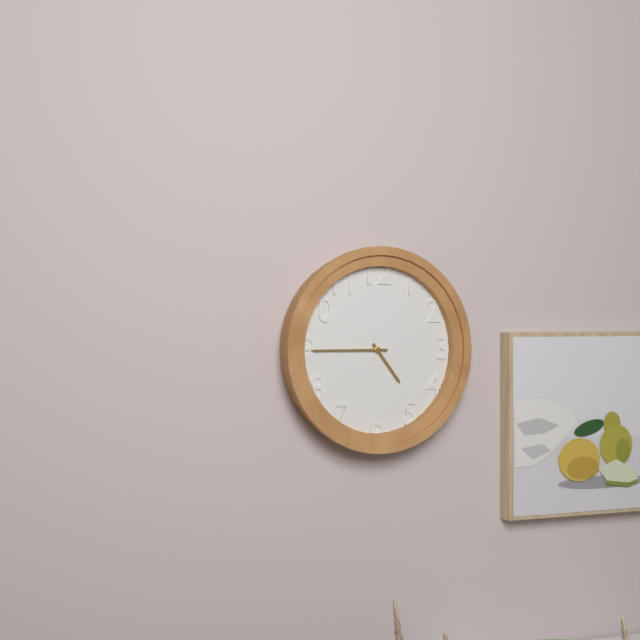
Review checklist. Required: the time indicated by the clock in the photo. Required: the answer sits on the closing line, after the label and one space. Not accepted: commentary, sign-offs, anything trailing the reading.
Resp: 4:45
